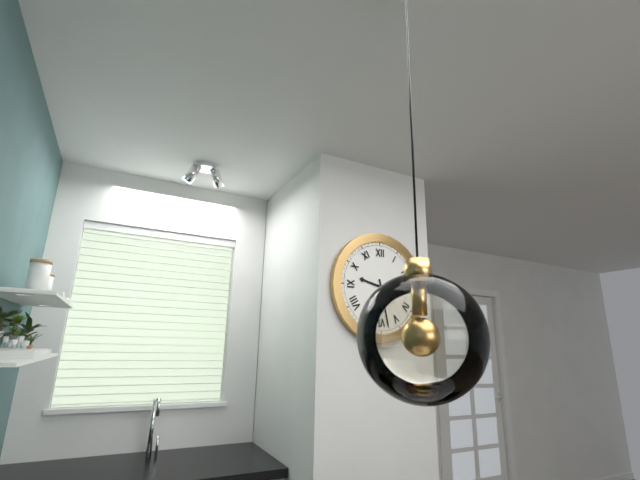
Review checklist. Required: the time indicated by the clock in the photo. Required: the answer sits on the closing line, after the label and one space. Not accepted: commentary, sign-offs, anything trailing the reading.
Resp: 9:28
